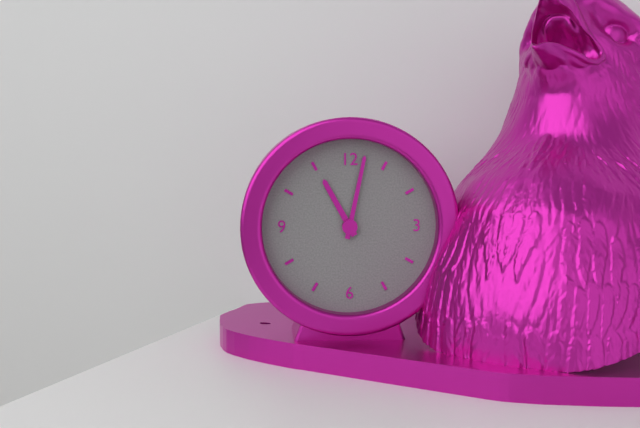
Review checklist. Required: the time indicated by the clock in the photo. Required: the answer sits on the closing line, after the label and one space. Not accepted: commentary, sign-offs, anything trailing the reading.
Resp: 11:02
